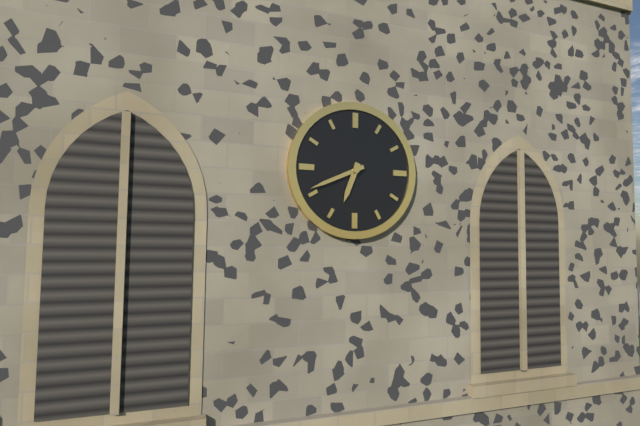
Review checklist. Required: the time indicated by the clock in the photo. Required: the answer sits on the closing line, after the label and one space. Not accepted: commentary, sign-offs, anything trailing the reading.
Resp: 6:41
